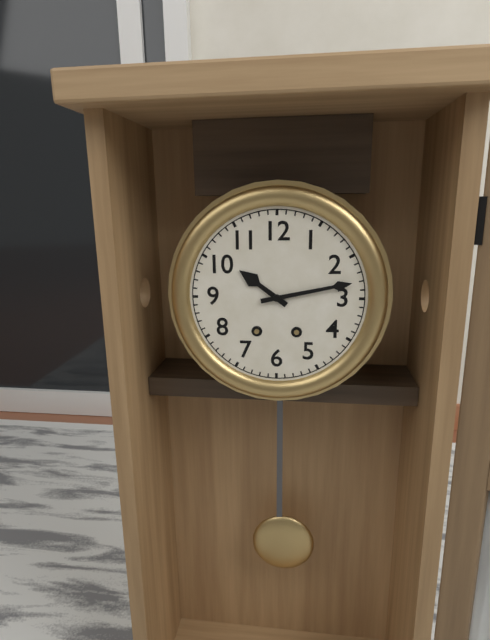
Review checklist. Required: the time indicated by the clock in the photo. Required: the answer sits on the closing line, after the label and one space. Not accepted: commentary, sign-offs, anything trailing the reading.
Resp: 10:13
